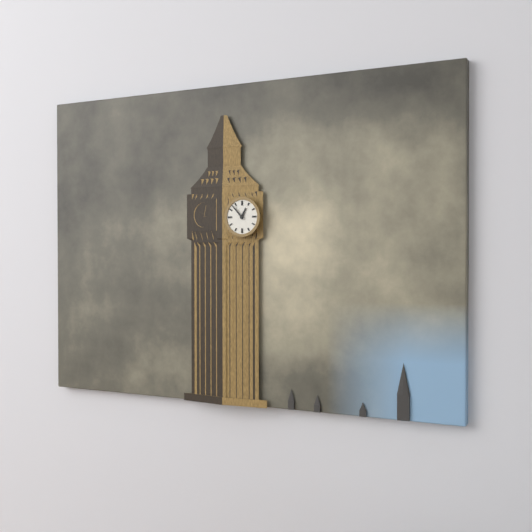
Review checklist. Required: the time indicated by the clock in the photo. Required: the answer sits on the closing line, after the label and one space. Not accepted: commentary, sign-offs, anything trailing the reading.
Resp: 12:53
